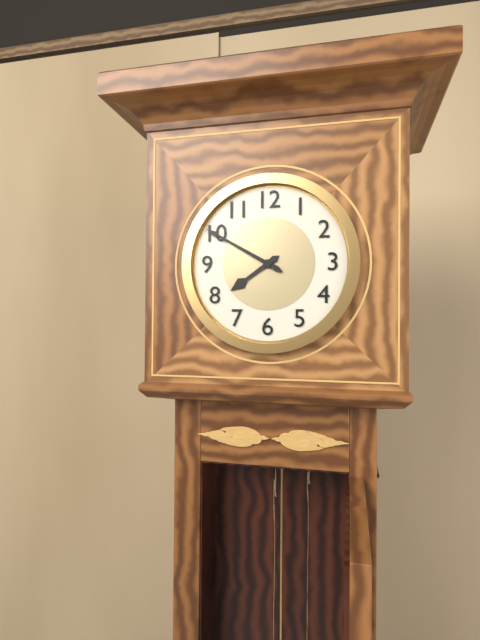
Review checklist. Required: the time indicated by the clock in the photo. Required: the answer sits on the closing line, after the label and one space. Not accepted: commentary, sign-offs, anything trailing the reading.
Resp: 7:50
